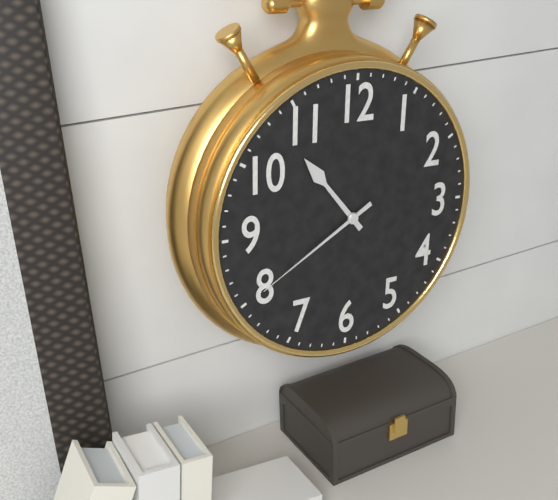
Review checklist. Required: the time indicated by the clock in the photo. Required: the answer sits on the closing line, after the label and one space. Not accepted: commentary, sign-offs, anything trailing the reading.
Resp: 10:40
